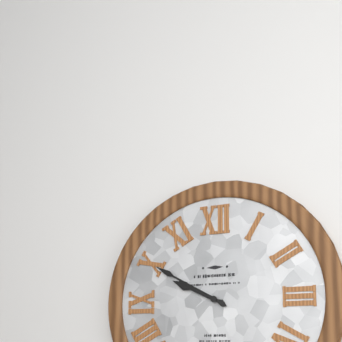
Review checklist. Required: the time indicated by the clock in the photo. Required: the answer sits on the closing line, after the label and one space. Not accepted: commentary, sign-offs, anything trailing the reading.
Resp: 9:50
